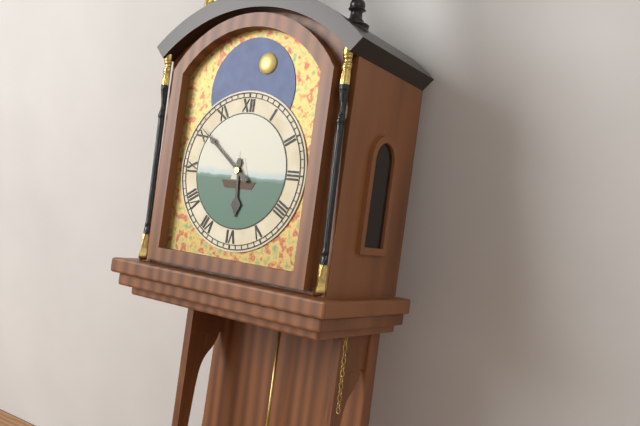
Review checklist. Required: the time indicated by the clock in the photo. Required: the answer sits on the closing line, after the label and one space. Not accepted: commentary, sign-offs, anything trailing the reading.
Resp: 5:51
